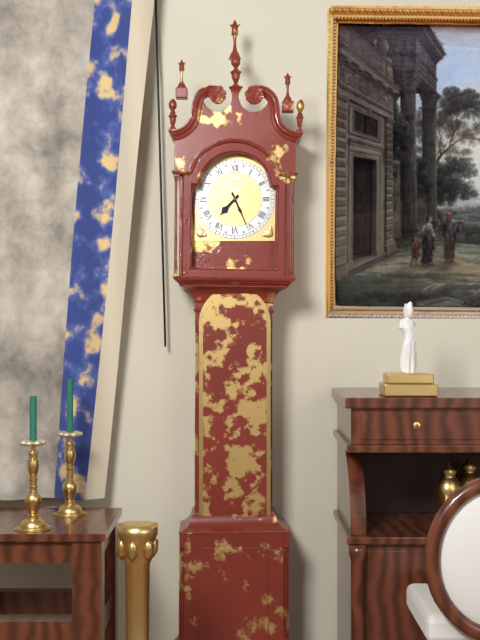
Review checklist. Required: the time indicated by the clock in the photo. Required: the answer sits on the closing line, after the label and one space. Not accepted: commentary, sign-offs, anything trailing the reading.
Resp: 7:26
